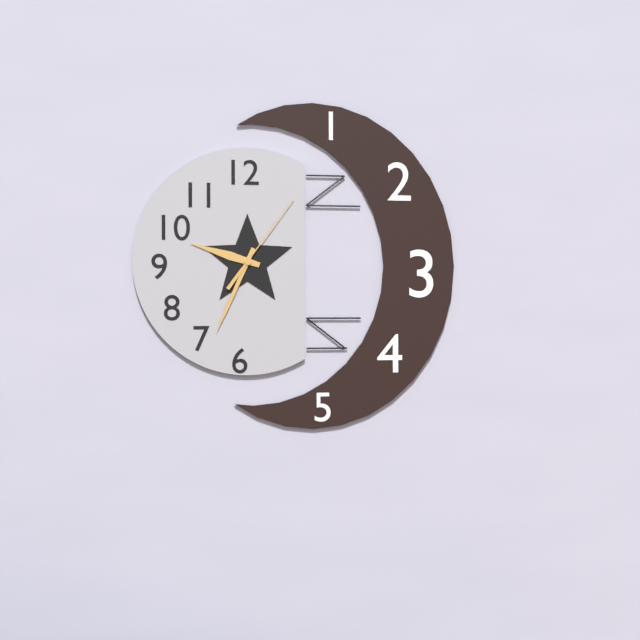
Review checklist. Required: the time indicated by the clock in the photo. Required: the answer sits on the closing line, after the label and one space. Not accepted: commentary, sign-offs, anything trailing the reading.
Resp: 9:34:06
